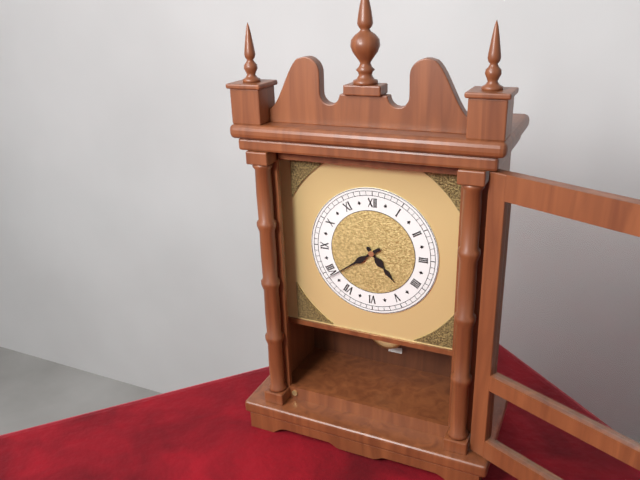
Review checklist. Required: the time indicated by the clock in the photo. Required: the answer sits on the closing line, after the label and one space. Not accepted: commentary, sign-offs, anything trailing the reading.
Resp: 4:39
